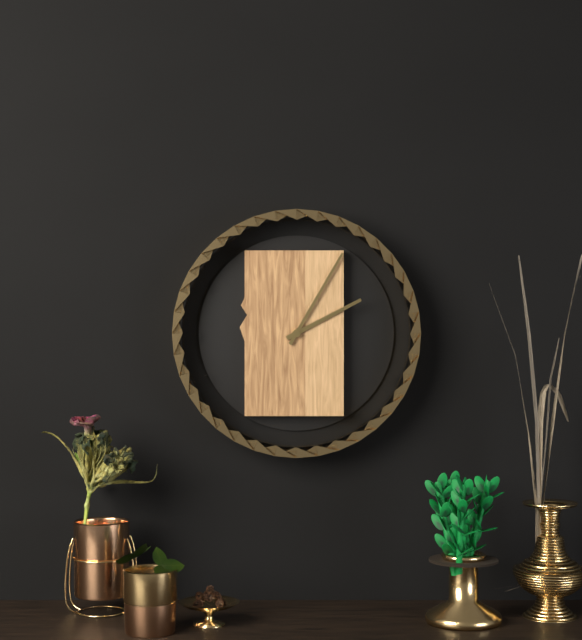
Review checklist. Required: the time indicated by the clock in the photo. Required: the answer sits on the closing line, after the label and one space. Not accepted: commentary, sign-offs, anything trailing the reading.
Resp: 2:05
